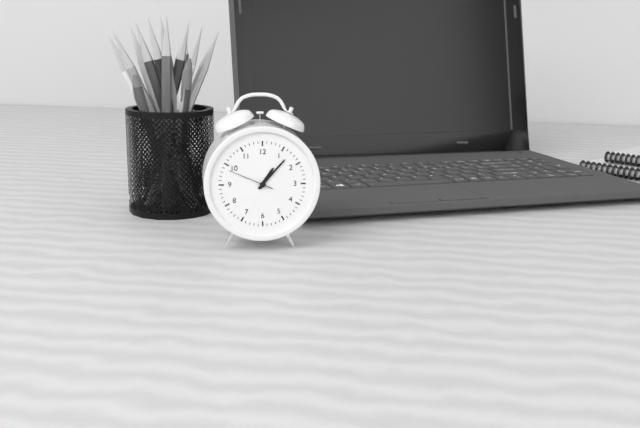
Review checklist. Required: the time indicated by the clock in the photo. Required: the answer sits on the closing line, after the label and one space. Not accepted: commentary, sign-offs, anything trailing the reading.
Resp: 1:07
